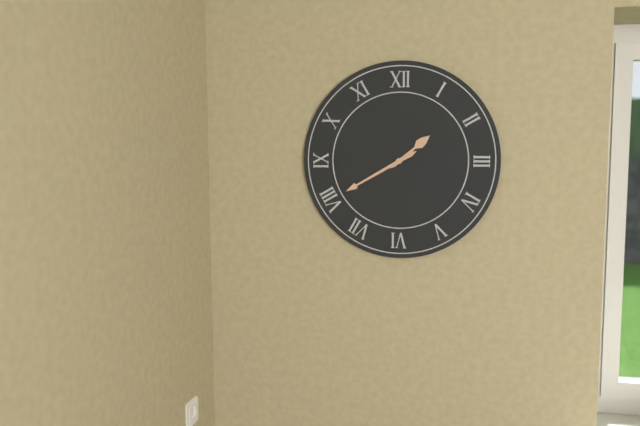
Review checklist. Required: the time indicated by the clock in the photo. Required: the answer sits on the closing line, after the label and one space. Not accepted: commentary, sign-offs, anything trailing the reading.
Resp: 1:40
